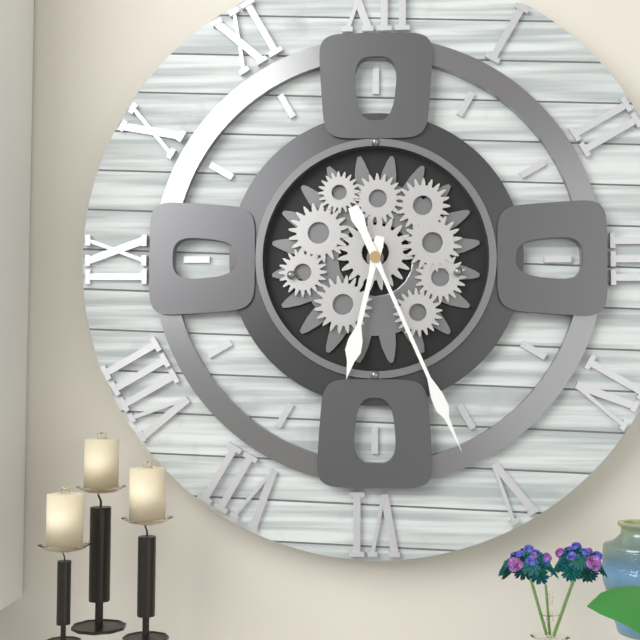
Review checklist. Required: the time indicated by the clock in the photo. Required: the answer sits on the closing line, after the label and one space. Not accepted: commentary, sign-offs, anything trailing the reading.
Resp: 6:26
